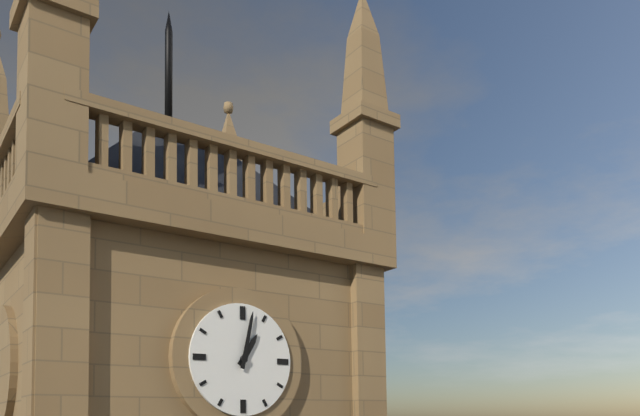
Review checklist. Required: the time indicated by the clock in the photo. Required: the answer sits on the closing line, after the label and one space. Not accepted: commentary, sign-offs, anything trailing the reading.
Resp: 1:02
